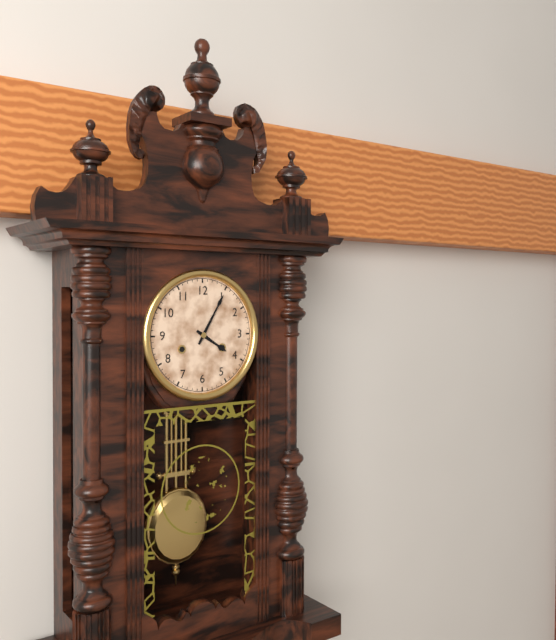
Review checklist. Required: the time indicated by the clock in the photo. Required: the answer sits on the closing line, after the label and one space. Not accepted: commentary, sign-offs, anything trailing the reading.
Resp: 4:05
